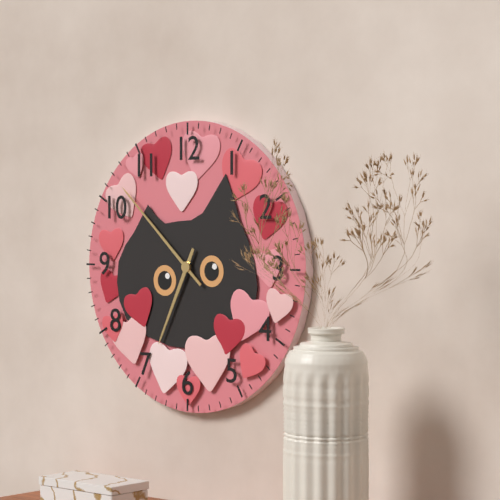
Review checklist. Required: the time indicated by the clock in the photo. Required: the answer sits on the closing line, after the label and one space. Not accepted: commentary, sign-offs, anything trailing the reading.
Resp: 6:52
